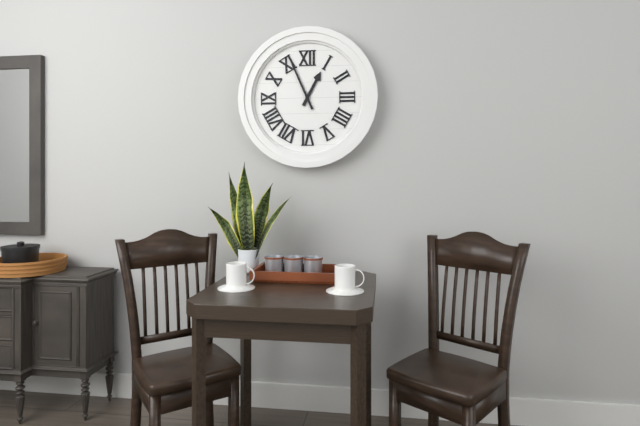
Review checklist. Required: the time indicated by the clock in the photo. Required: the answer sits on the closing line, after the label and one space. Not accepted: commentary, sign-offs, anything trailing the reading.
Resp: 12:56
